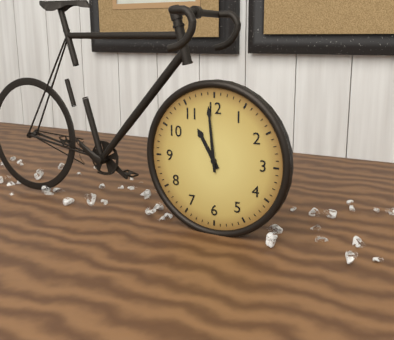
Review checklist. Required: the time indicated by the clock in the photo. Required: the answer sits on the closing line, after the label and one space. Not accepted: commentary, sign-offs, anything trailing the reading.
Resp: 10:59
